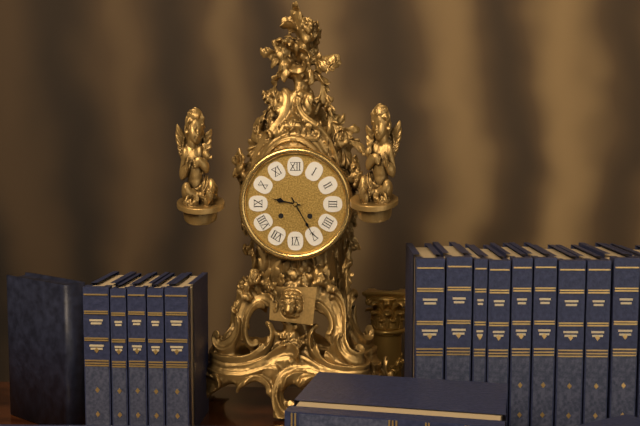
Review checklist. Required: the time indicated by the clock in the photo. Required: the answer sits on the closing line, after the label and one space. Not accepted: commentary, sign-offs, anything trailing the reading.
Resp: 9:25
